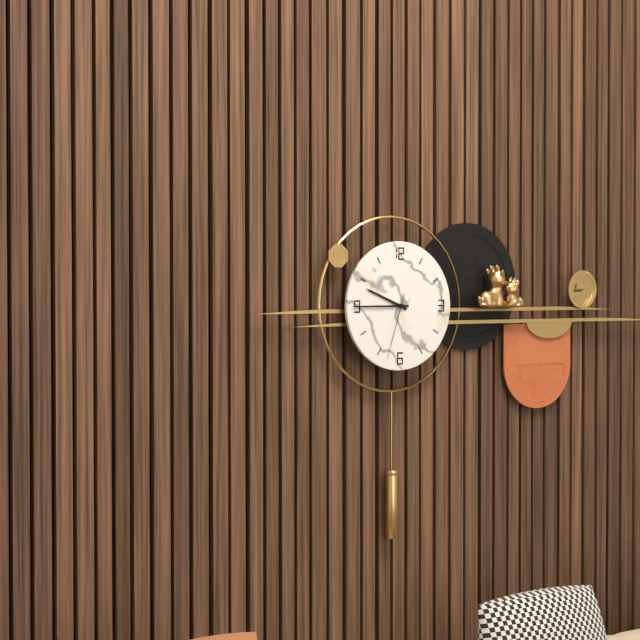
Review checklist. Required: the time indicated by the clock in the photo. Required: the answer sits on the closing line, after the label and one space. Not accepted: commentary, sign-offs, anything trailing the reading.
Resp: 9:45:33
